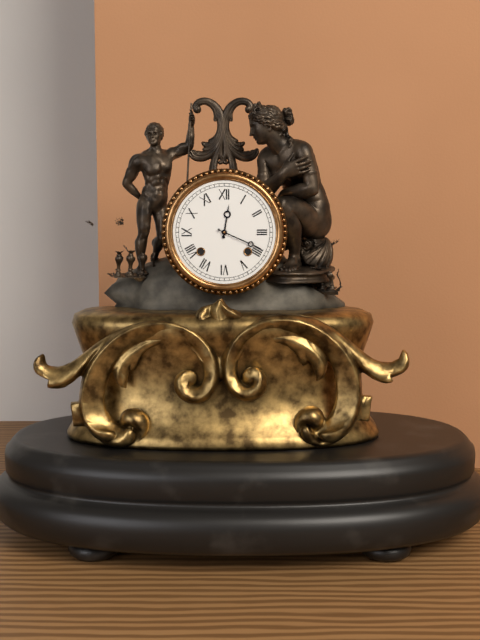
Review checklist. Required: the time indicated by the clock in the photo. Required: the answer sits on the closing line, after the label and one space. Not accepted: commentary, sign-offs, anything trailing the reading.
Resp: 12:19
